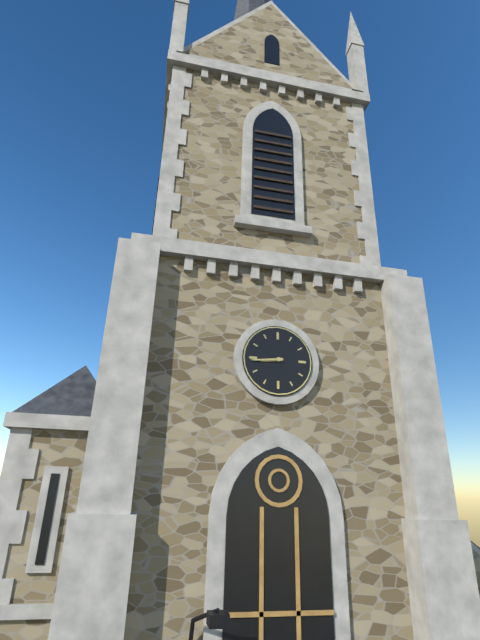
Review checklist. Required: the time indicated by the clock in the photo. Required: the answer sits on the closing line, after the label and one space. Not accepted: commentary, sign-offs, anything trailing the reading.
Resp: 8:44
